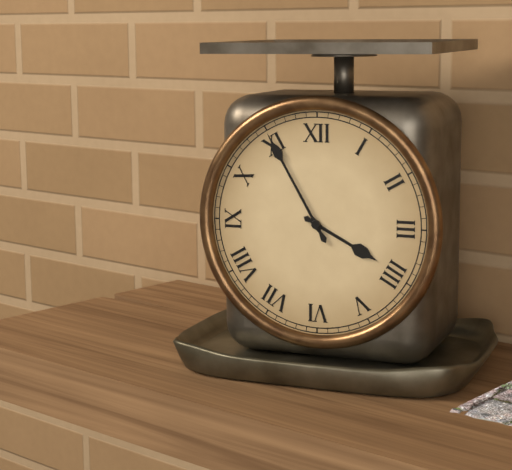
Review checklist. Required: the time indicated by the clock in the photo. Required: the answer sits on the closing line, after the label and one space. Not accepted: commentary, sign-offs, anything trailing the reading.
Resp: 3:55
